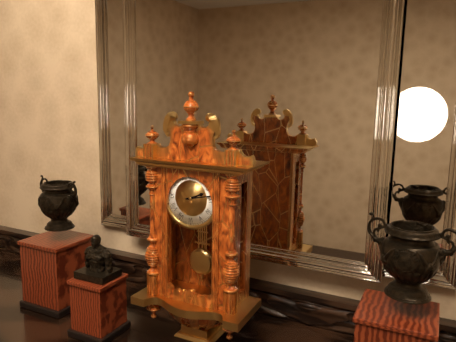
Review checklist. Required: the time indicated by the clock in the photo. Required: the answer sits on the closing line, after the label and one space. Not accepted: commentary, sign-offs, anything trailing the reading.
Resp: 2:13
